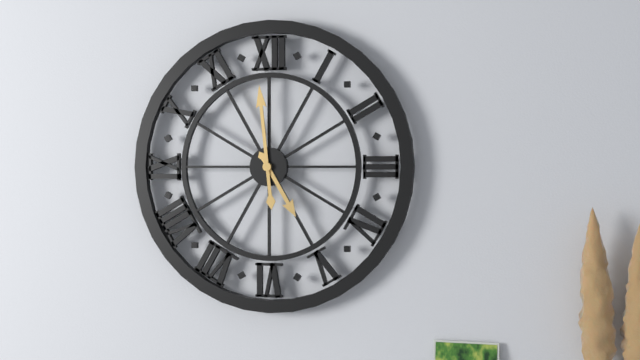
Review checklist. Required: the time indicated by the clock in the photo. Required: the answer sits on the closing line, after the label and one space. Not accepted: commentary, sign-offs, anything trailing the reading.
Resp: 4:59
